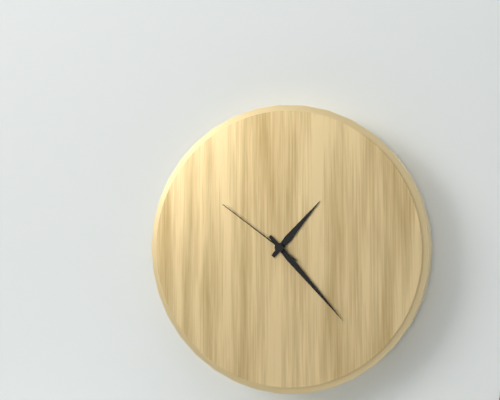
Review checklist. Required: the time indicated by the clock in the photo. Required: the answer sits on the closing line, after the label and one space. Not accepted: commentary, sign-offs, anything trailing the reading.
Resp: 1:23:51
